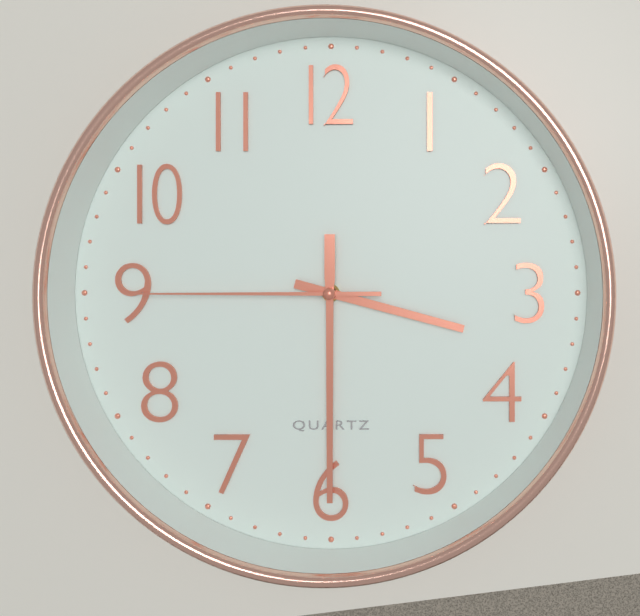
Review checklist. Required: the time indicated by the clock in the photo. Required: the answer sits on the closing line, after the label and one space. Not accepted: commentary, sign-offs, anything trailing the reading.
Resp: 3:30:45
